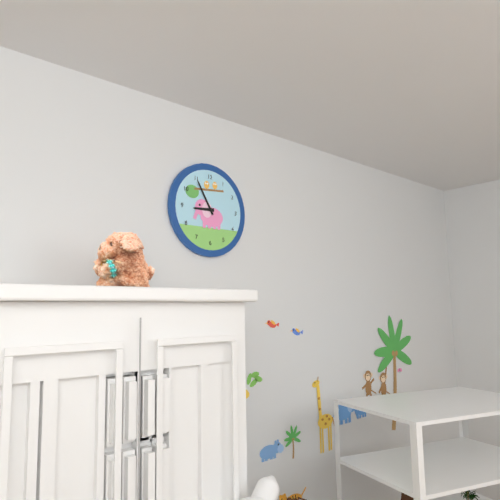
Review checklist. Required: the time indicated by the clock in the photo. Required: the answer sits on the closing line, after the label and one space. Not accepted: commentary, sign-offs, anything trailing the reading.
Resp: 8:55
